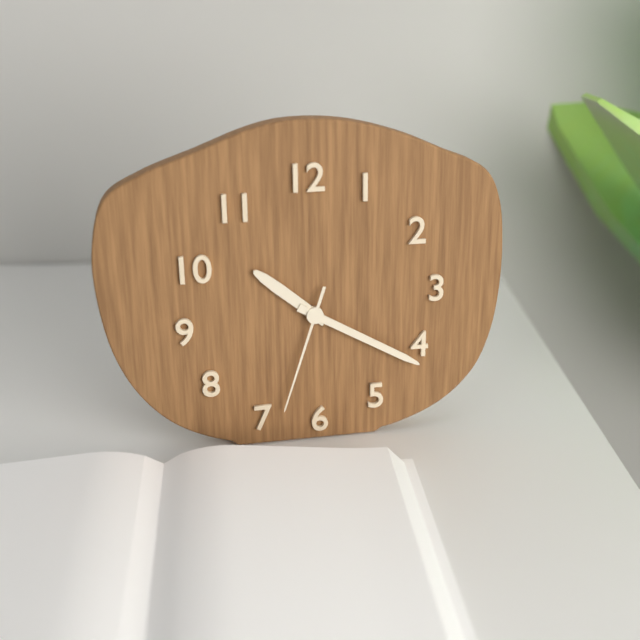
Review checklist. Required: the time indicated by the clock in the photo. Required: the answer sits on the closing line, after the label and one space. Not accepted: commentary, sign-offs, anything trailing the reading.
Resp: 10:20:33
